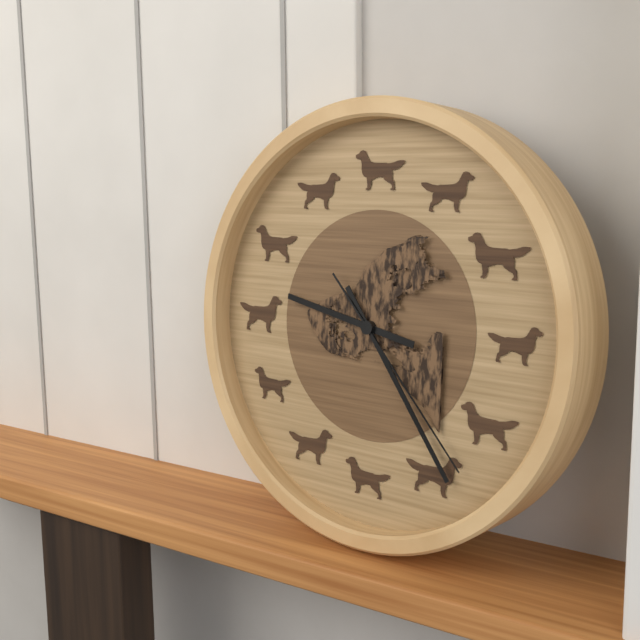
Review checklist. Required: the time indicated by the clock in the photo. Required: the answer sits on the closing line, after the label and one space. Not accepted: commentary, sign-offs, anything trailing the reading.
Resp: 9:24:23
